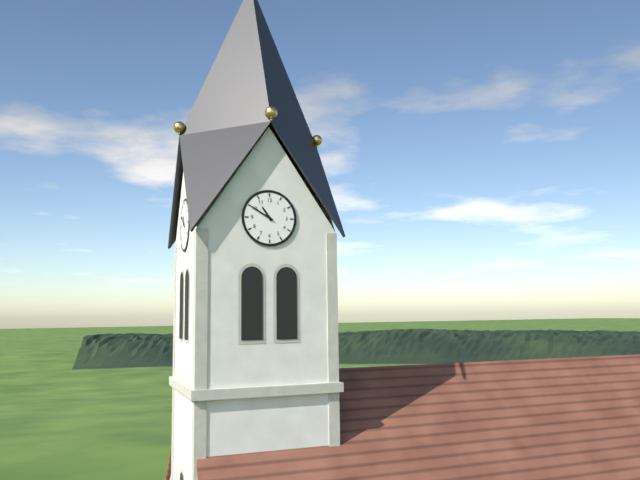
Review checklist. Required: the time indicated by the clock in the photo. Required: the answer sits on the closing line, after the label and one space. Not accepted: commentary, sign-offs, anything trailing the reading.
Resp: 10:50
